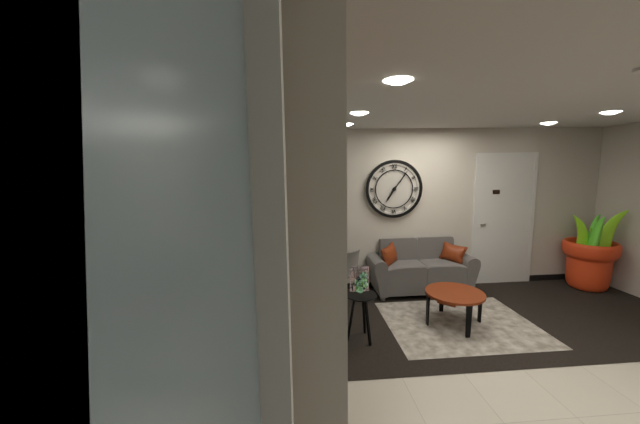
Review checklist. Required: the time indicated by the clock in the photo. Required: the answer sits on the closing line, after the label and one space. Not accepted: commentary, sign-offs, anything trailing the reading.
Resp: 7:06
